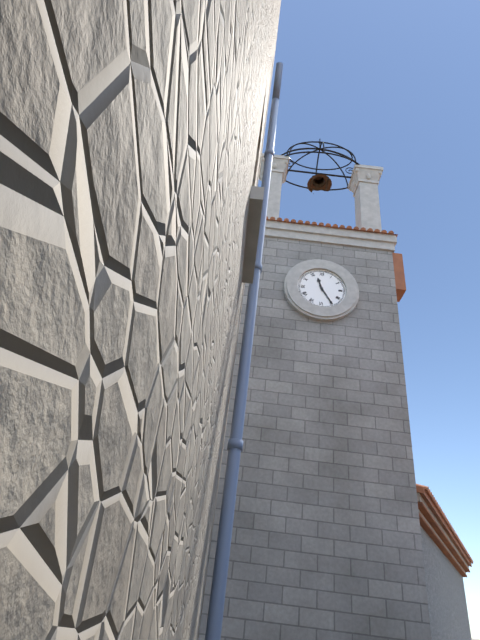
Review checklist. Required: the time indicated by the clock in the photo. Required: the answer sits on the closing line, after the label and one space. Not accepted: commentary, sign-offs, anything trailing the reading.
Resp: 11:25
